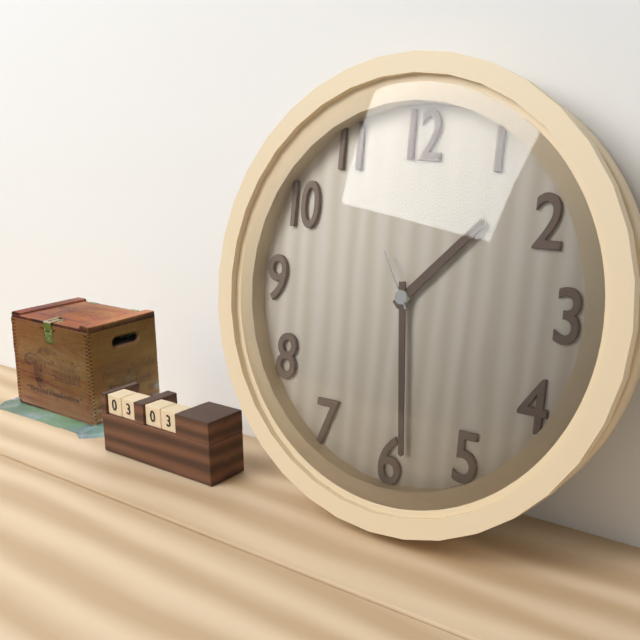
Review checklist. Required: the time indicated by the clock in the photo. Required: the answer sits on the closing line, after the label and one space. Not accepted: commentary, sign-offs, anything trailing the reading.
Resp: 1:29:55
